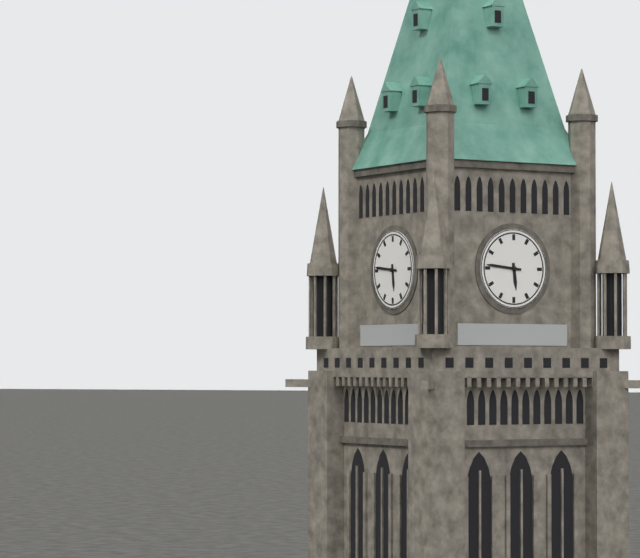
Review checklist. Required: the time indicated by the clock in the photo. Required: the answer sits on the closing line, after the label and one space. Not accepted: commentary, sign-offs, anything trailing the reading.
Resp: 5:46
